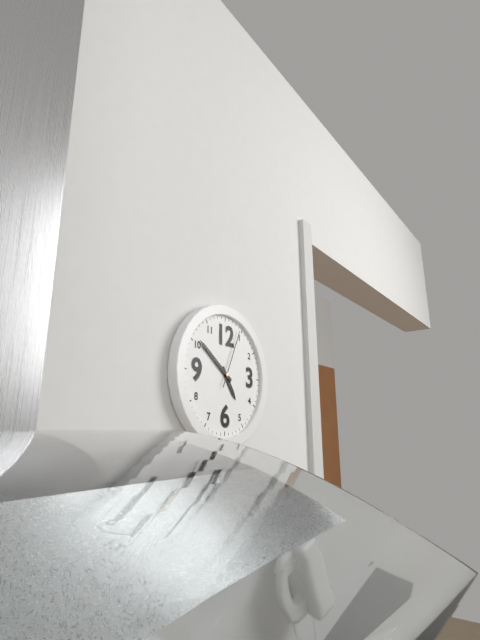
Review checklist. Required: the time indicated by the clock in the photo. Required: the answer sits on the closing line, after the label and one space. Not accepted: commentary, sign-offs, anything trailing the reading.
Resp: 4:51:04
